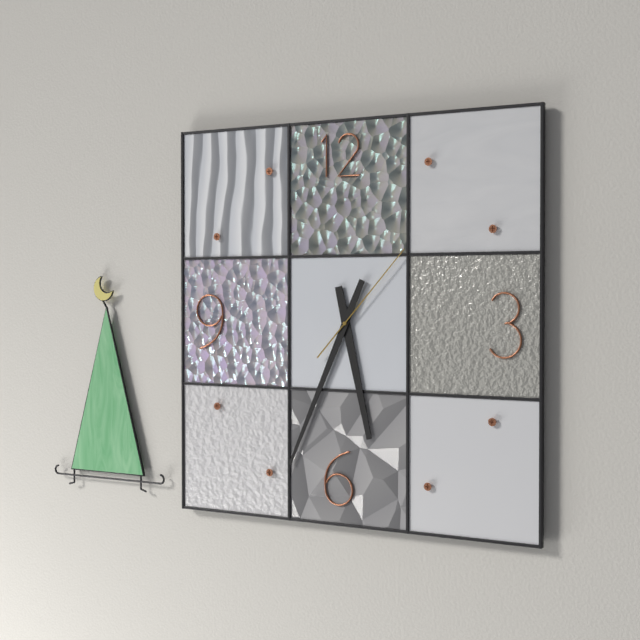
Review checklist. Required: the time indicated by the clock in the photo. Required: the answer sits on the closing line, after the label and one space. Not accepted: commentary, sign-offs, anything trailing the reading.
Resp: 5:34:07
